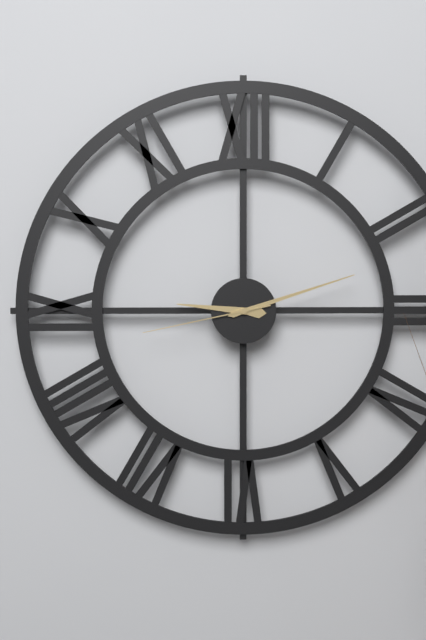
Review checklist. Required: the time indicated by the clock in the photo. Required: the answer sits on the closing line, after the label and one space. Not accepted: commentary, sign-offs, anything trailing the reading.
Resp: 9:12:43
